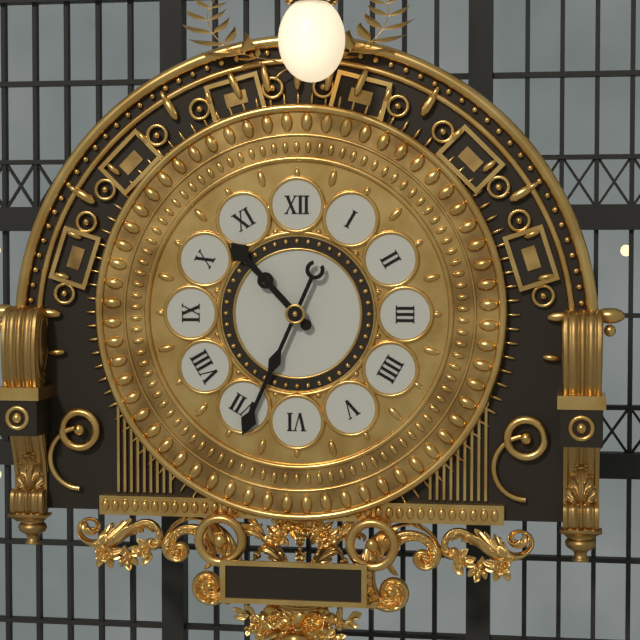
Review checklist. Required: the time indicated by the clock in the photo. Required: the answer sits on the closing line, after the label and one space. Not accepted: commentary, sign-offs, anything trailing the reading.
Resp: 10:34
